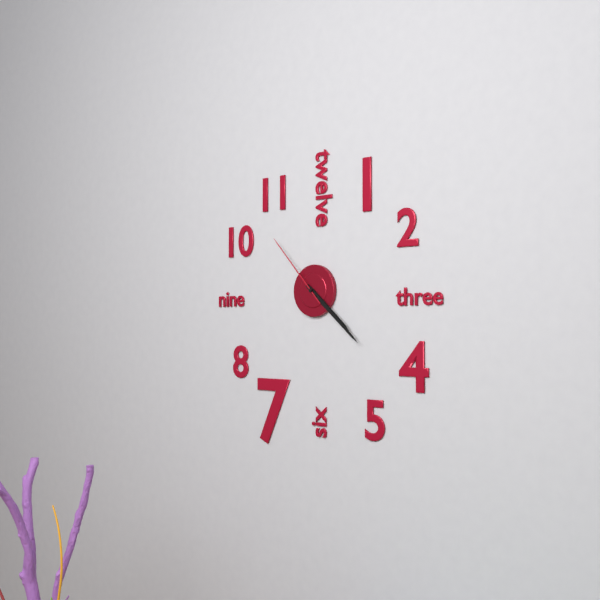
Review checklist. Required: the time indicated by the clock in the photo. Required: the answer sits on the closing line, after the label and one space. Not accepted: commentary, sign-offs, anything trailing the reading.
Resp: 4:22:53
